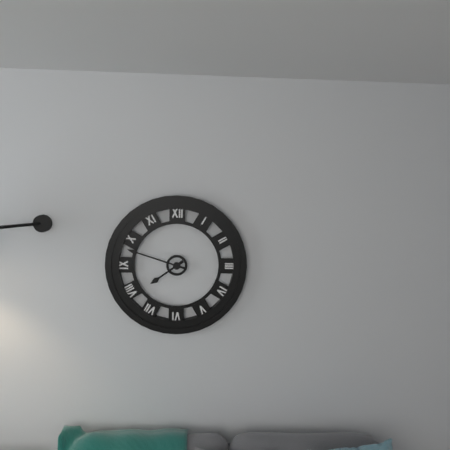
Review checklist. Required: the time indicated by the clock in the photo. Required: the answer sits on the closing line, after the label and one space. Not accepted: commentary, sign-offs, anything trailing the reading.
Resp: 7:48
